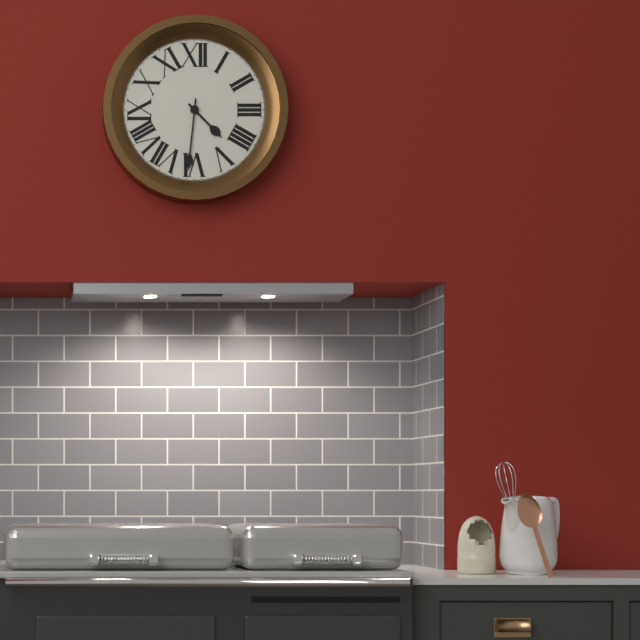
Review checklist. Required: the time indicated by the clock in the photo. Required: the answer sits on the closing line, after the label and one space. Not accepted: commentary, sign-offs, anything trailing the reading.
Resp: 4:31
